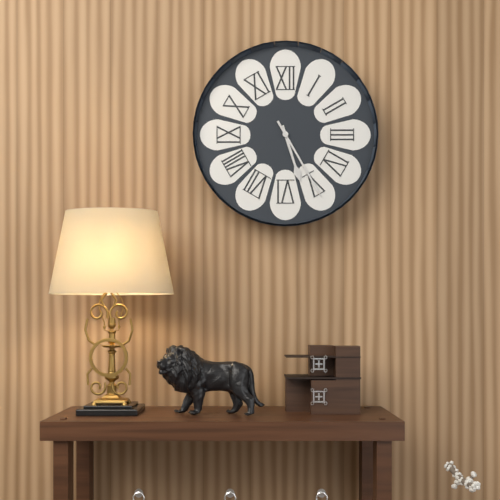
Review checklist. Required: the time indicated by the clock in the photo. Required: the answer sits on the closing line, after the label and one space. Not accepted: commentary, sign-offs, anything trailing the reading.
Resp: 5:25
